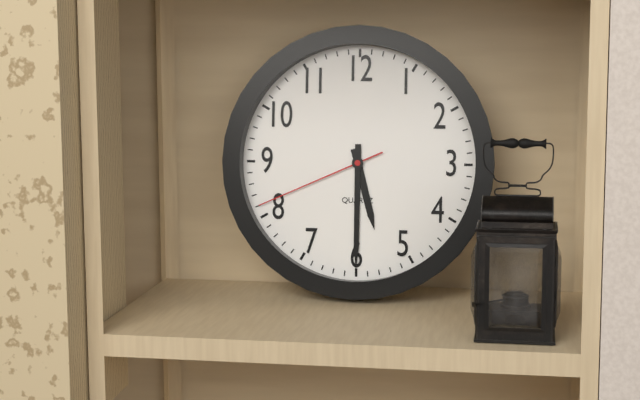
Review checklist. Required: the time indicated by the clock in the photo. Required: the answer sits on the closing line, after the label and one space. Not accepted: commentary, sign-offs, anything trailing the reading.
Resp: 5:30:41
